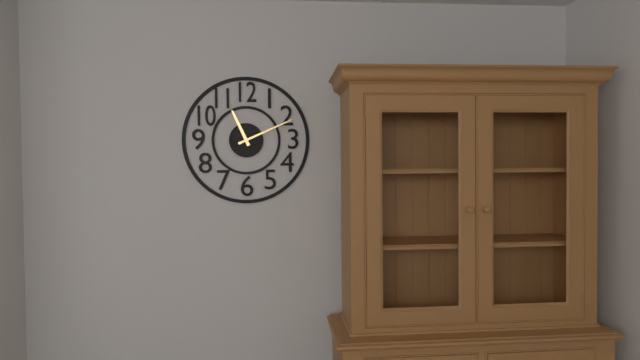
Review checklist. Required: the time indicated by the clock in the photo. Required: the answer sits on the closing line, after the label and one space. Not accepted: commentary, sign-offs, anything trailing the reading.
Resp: 11:11
